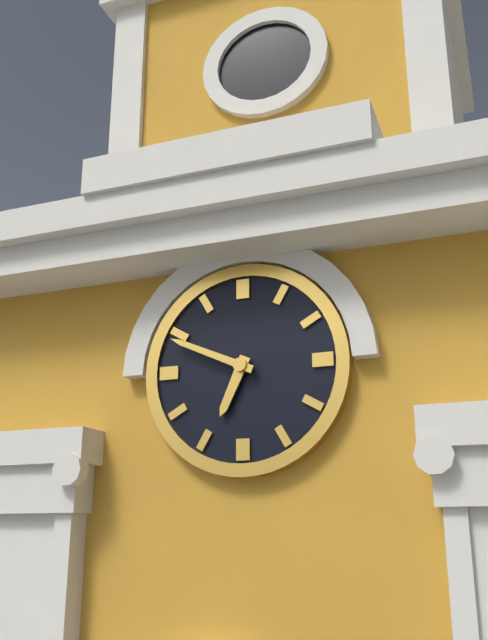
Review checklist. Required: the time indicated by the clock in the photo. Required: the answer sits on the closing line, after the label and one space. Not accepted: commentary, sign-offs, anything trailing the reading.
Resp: 6:49
